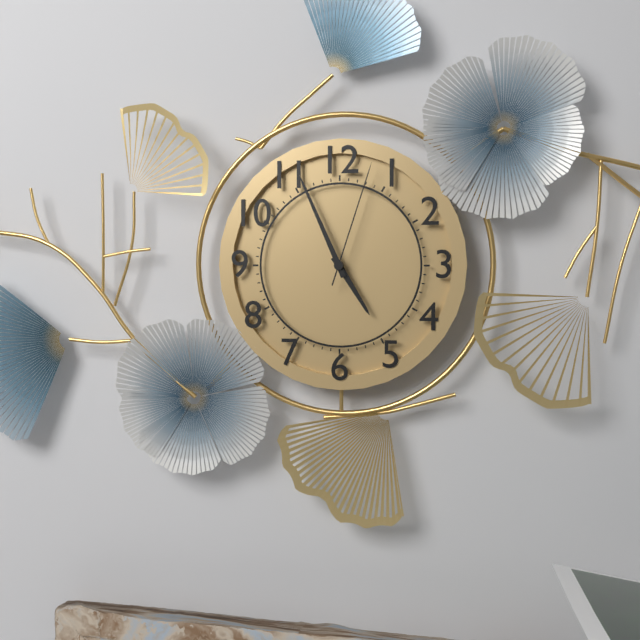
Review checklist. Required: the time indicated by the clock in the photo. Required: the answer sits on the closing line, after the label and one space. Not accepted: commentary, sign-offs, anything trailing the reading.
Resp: 4:56:03
